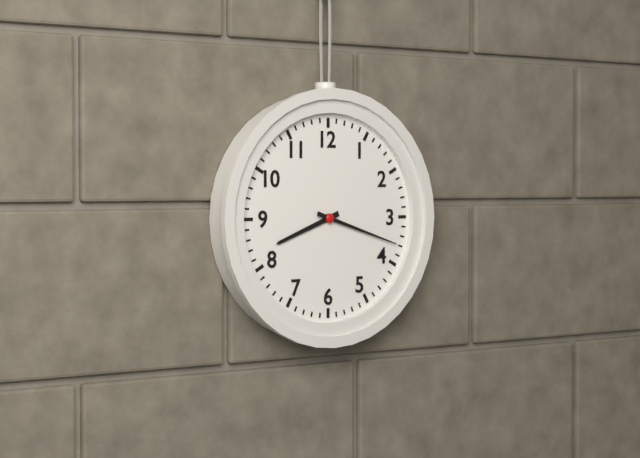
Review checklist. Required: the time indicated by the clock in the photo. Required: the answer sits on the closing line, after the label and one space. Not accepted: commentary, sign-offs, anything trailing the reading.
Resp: 8:18
